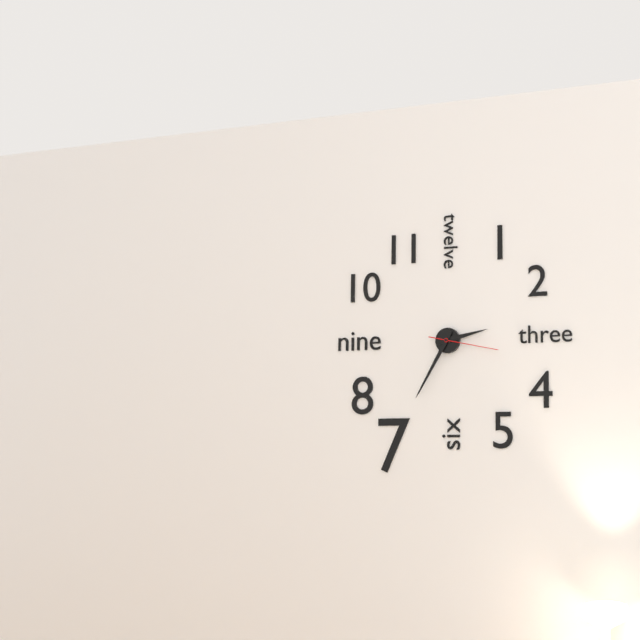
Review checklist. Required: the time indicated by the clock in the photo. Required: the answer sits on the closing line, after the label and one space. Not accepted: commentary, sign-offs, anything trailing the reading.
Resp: 2:35:17
